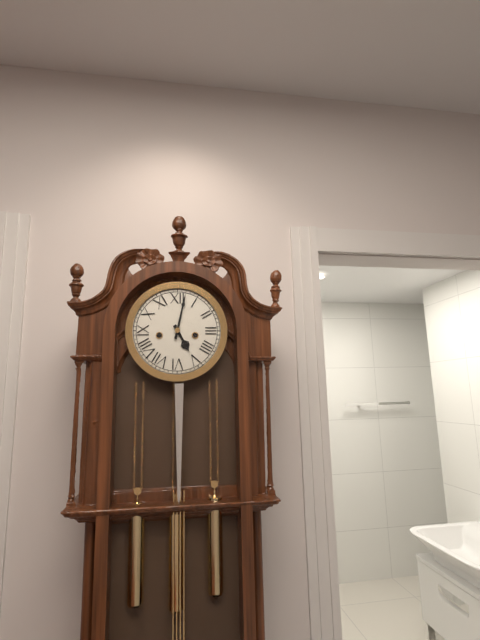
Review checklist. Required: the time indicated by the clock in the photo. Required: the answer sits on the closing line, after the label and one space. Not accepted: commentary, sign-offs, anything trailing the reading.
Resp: 5:02
